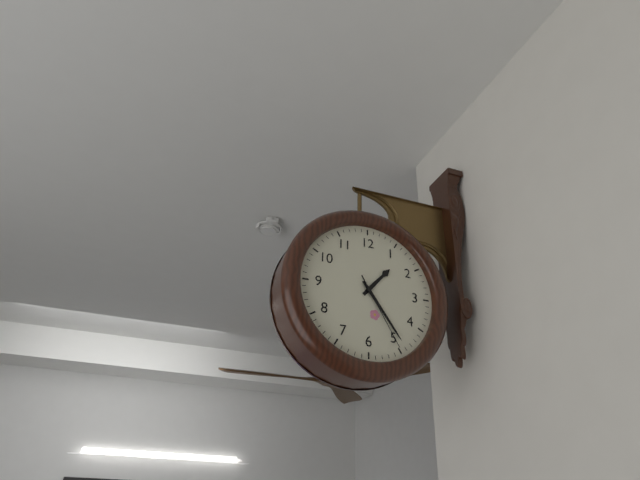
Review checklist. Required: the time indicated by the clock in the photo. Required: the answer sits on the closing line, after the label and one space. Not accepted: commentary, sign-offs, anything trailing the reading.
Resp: 1:24:25
